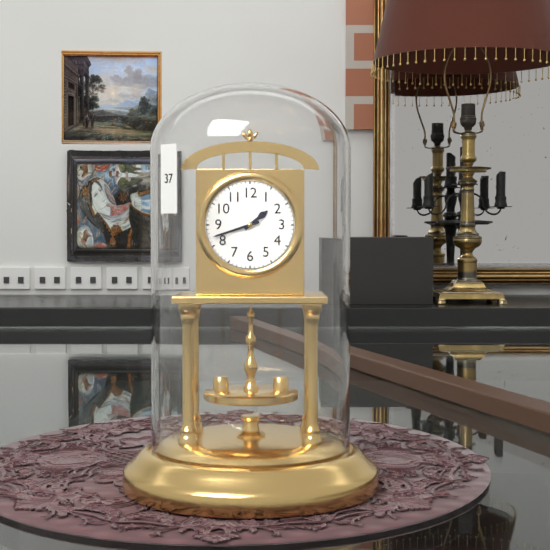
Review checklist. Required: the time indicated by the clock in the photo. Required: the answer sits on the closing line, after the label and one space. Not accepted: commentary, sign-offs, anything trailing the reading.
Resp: 1:42
